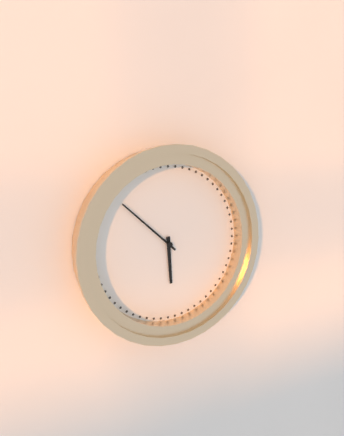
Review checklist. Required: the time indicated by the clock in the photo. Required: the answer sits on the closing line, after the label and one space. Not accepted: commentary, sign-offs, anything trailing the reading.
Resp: 5:52
